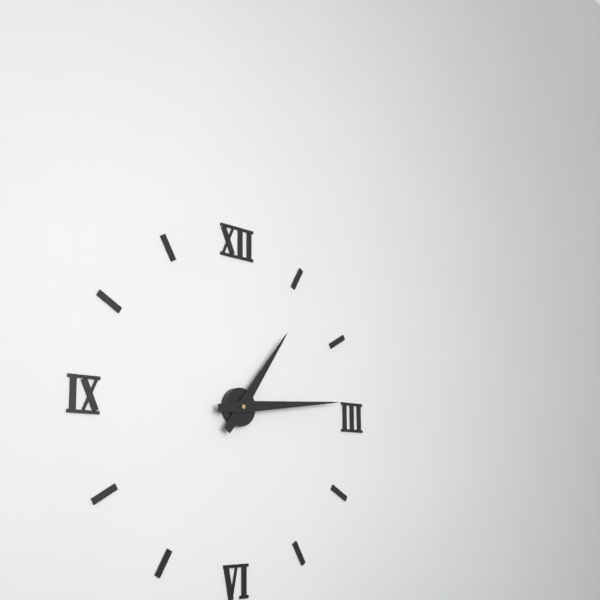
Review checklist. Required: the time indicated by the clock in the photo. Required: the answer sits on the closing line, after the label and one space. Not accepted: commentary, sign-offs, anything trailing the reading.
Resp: 1:14
